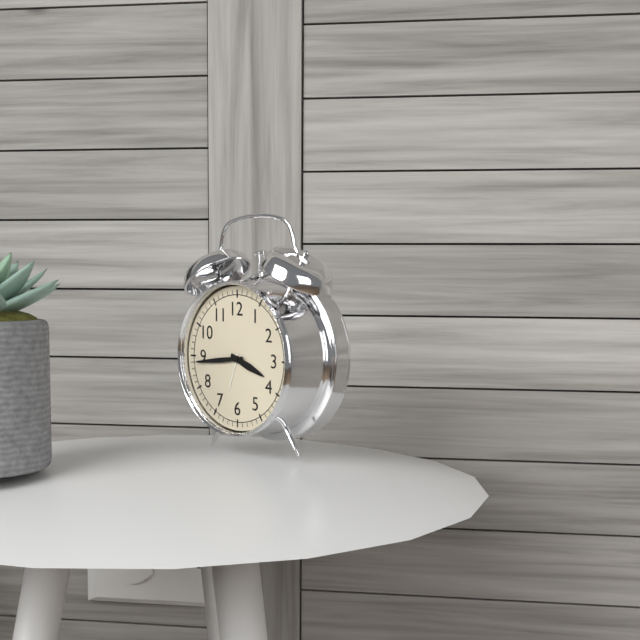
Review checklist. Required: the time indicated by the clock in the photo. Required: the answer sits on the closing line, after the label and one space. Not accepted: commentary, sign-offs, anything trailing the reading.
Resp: 3:44
